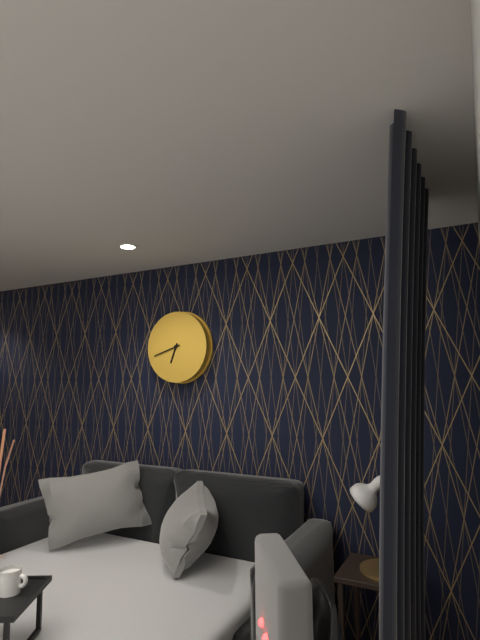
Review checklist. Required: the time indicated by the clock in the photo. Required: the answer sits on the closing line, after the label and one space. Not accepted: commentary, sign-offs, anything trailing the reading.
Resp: 6:42
